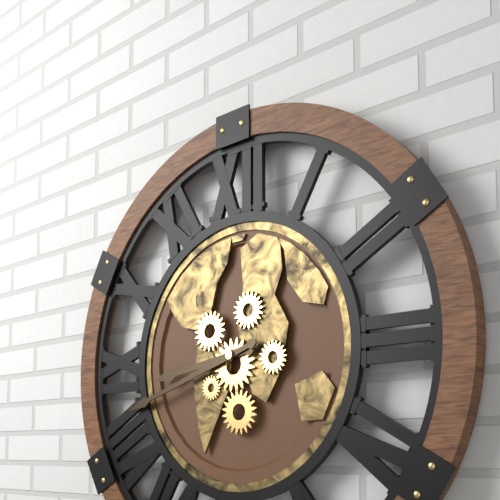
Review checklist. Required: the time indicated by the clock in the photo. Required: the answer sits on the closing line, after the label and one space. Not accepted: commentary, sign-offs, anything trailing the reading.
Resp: 8:42
